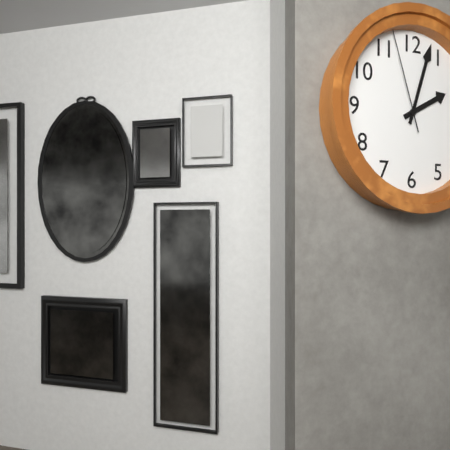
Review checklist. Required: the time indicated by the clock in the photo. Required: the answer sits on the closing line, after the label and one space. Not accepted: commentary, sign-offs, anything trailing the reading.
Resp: 2:03:57
